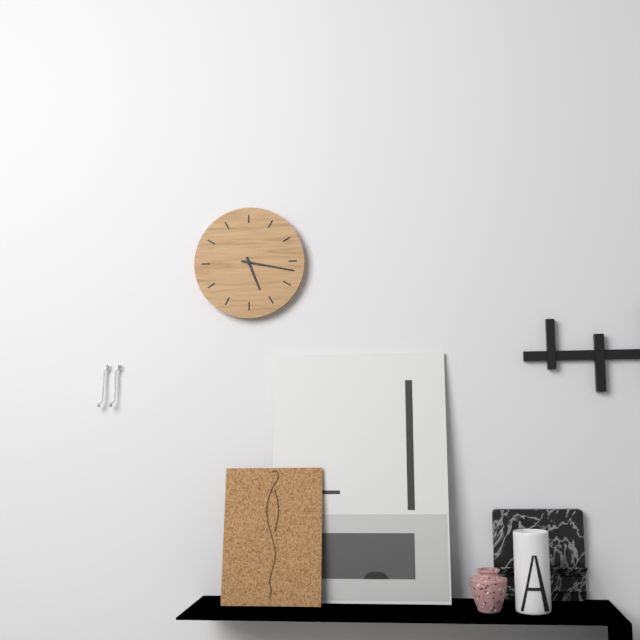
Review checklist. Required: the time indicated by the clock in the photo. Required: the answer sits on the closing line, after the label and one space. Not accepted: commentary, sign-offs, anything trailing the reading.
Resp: 5:17
